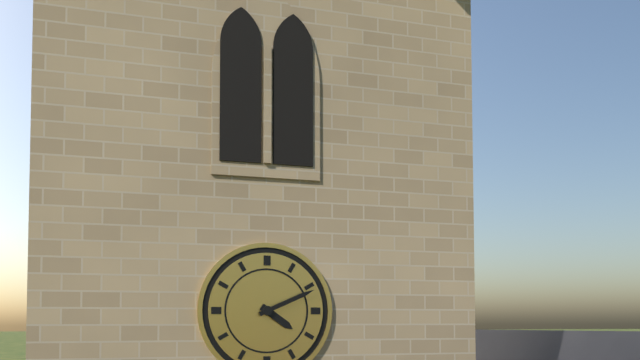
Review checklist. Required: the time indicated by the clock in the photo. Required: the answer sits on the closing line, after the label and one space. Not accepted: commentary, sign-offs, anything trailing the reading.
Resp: 4:11
